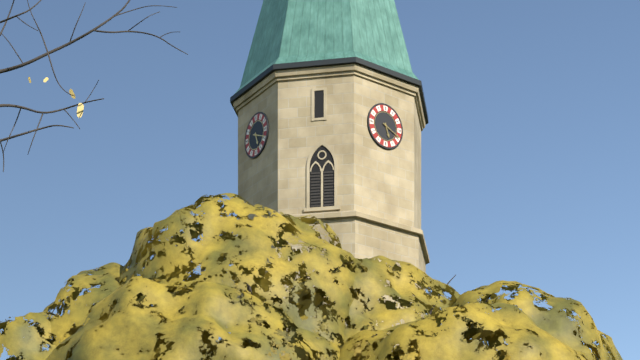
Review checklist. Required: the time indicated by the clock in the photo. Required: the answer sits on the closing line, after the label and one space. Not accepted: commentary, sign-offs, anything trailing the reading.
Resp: 5:19
